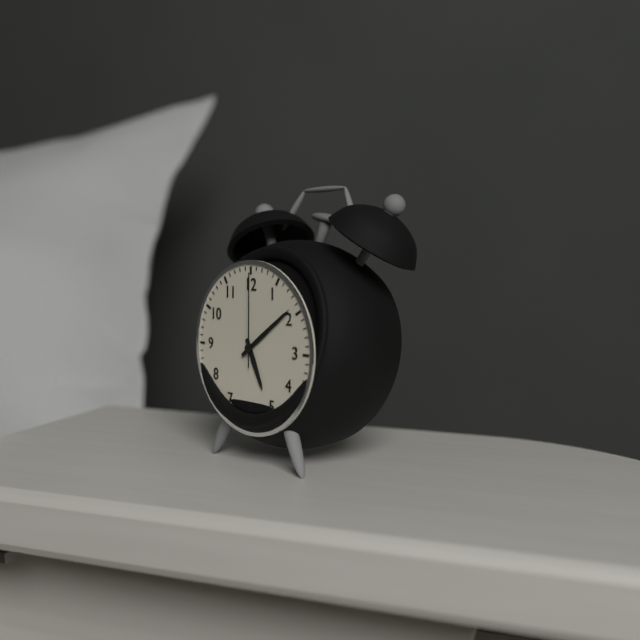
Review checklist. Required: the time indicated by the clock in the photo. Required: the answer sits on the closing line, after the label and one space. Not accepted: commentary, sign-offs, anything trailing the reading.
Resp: 5:09:00
